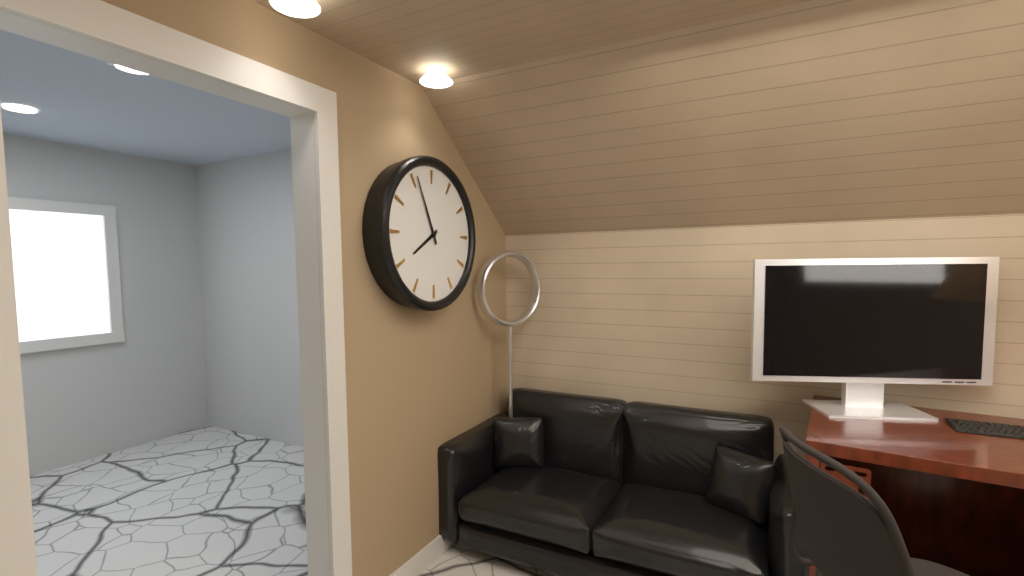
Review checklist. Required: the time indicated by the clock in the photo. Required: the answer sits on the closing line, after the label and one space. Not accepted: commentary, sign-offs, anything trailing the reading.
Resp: 7:56
